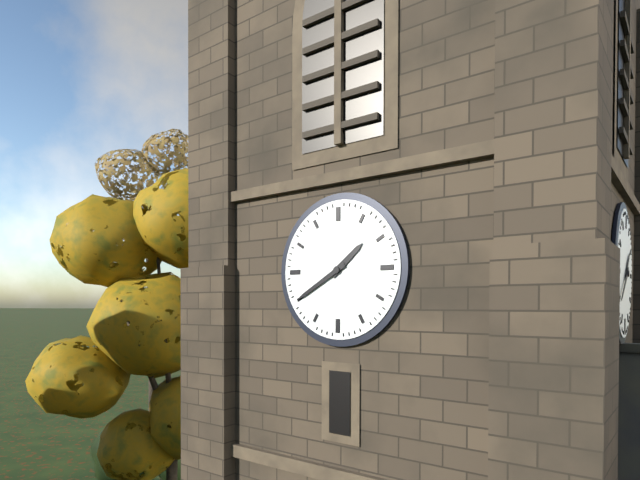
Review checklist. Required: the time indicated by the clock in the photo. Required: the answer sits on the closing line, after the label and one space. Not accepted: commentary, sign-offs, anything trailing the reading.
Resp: 1:40
